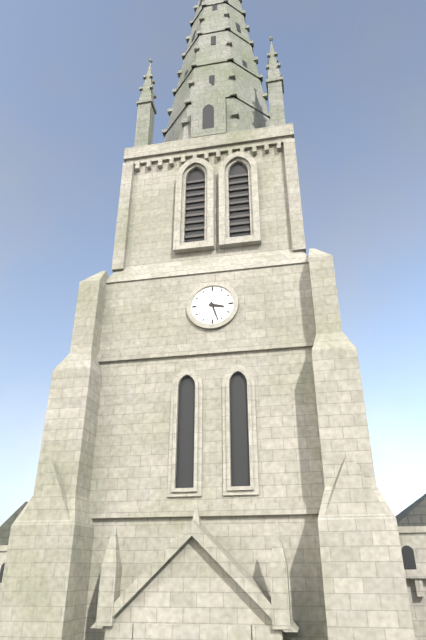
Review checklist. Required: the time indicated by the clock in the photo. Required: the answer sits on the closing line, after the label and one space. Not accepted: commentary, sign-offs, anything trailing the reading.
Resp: 3:27
